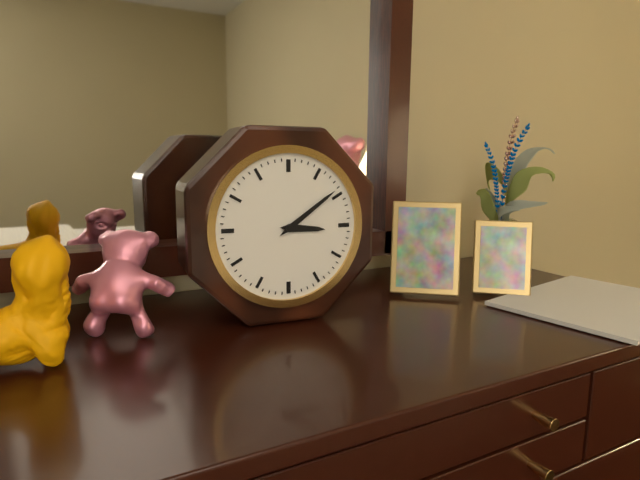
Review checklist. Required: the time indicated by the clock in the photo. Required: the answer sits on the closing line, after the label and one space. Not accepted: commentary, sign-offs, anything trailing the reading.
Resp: 3:09
